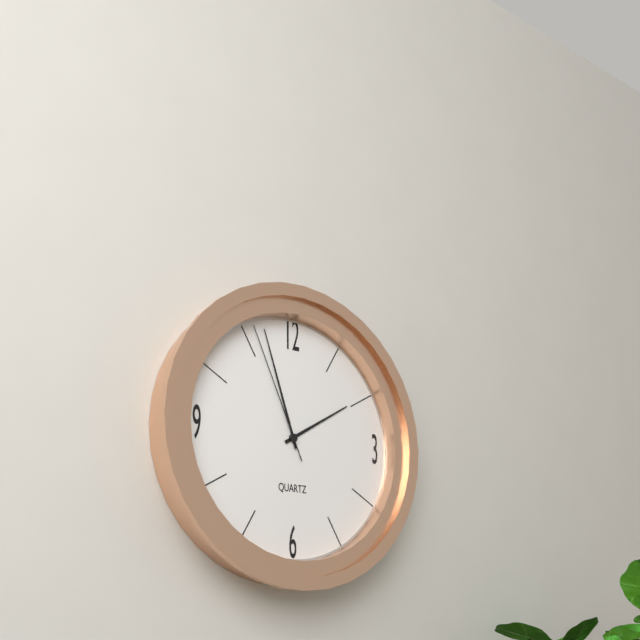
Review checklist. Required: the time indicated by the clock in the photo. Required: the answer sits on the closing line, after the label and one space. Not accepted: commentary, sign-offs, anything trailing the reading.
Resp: 1:57:56
